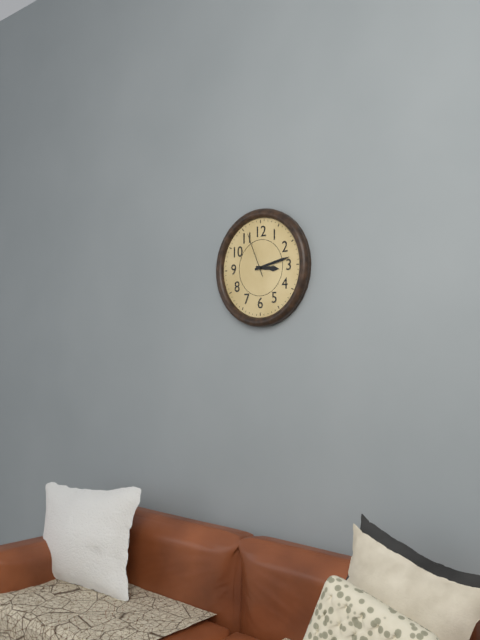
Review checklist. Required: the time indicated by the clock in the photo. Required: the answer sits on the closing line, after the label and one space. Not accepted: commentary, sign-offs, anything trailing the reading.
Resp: 3:13
